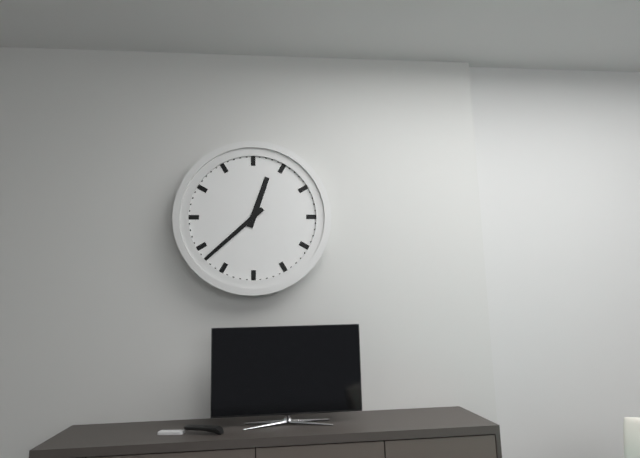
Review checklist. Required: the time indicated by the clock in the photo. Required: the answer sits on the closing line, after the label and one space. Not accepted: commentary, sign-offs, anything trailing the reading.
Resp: 12:38
